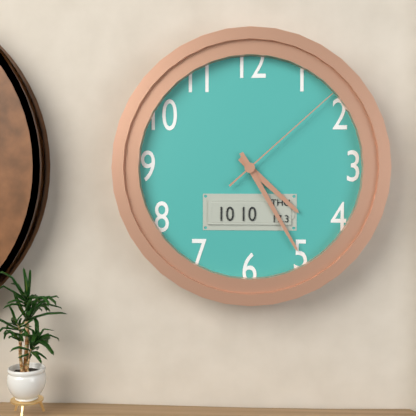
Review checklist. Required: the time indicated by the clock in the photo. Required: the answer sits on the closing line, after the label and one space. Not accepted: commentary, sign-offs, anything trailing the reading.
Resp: 4:25:08
